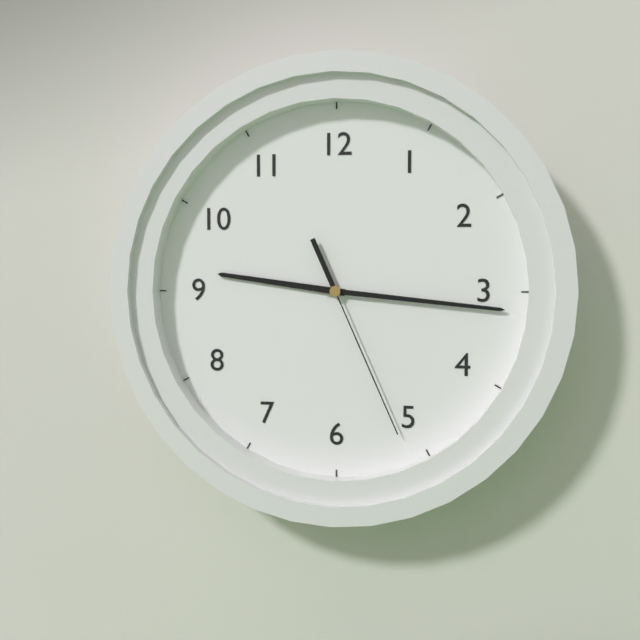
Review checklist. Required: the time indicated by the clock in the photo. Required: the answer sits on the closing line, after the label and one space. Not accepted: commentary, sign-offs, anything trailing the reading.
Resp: 9:16:26
